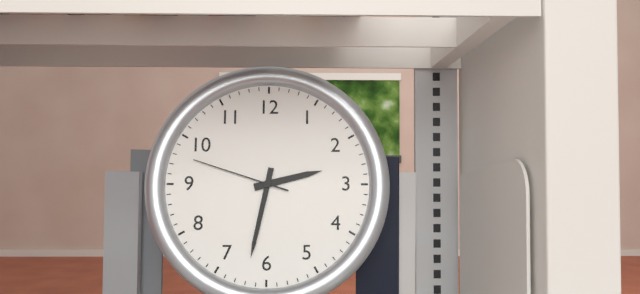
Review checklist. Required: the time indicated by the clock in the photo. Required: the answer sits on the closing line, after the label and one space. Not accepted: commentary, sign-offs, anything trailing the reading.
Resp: 2:32:48
